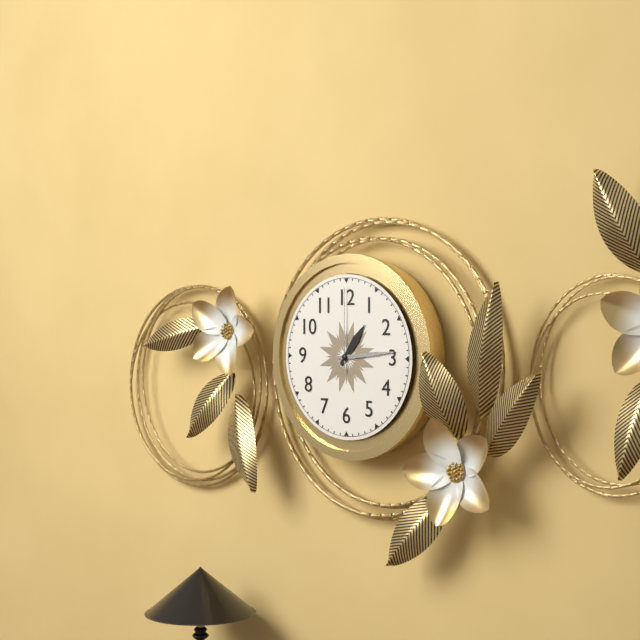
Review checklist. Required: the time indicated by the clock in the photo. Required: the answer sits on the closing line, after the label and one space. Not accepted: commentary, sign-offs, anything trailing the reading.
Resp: 1:14:00
